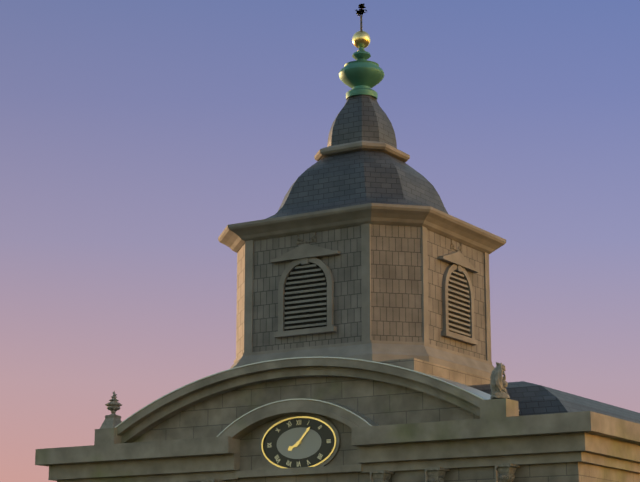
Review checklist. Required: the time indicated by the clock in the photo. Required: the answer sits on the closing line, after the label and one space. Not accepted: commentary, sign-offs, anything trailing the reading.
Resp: 8:07
